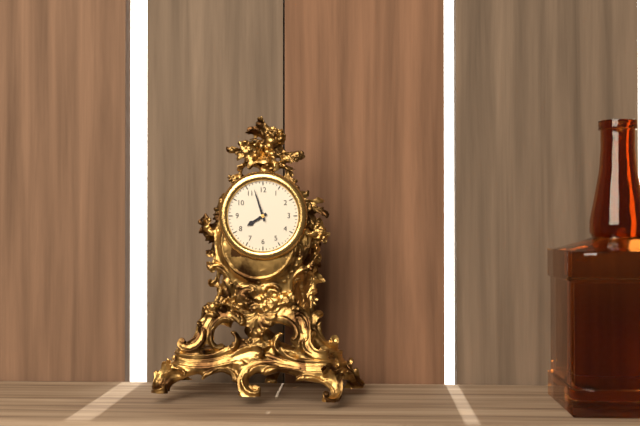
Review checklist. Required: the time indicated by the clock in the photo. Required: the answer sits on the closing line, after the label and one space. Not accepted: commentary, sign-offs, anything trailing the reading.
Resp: 7:57
